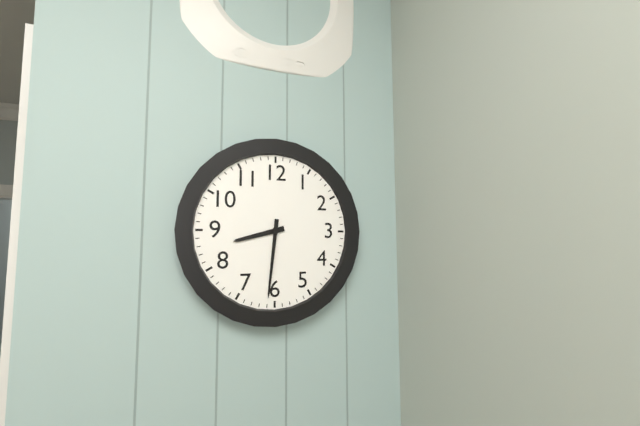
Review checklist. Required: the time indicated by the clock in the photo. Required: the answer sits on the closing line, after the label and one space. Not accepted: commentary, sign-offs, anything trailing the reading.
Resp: 8:31
